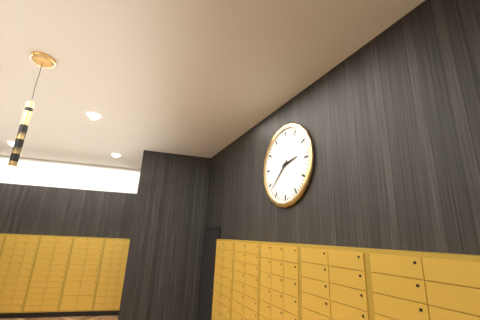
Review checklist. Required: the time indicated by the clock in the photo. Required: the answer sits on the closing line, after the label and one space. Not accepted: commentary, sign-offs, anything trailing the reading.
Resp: 2:38
